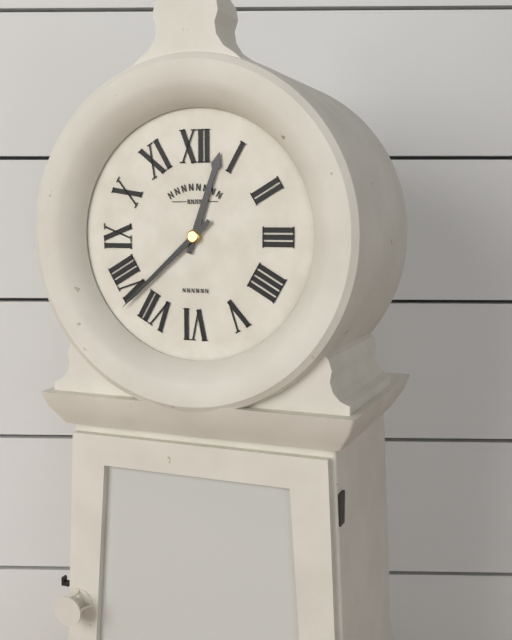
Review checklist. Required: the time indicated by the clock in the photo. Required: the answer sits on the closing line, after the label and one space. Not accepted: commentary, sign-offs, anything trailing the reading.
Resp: 12:38
